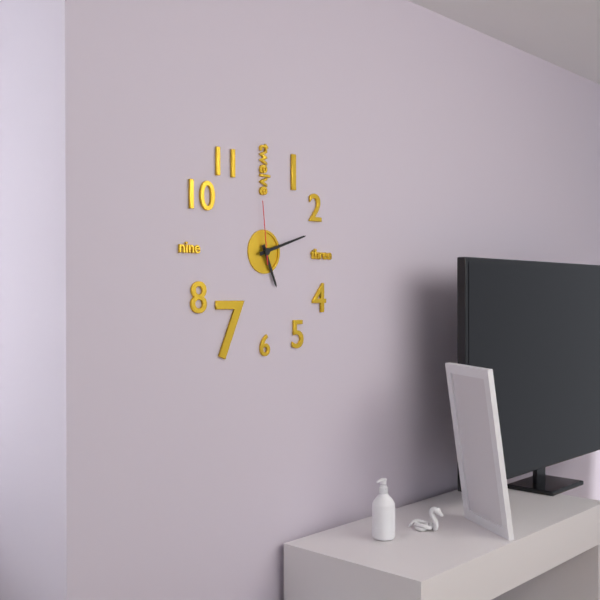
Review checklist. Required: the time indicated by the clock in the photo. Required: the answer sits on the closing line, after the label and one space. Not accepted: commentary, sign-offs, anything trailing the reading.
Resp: 5:12:59
